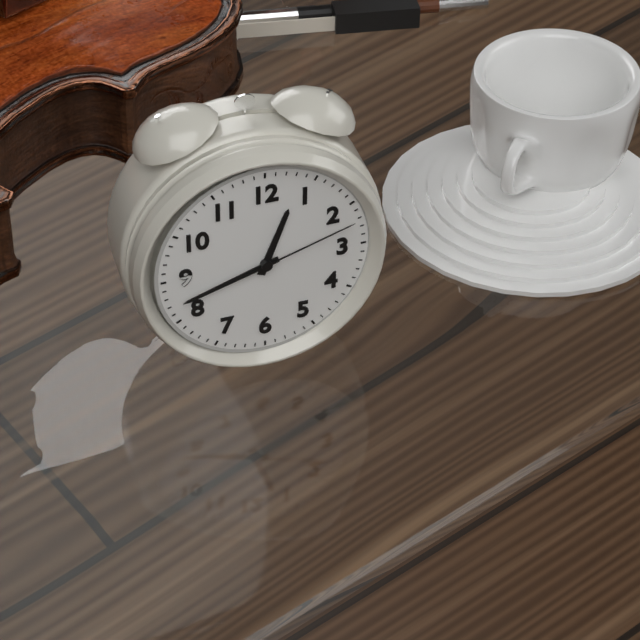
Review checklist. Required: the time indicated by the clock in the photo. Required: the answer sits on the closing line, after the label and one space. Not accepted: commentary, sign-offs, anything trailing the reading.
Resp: 12:42:12
